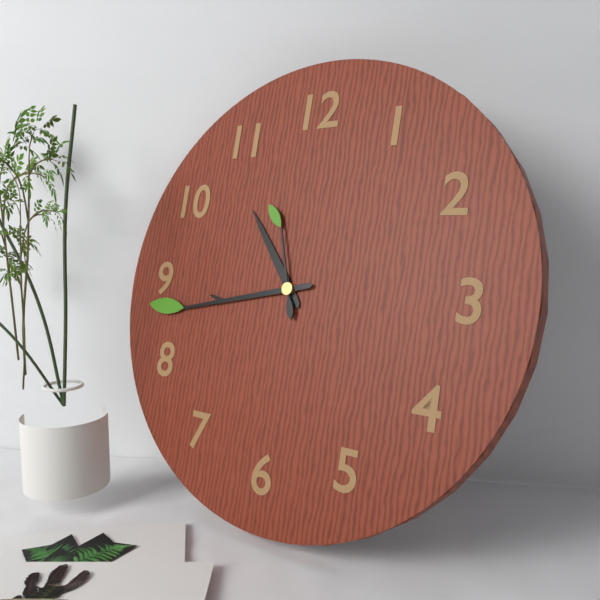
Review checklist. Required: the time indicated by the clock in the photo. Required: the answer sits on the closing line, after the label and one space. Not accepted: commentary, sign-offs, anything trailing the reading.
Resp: 10:43:57
